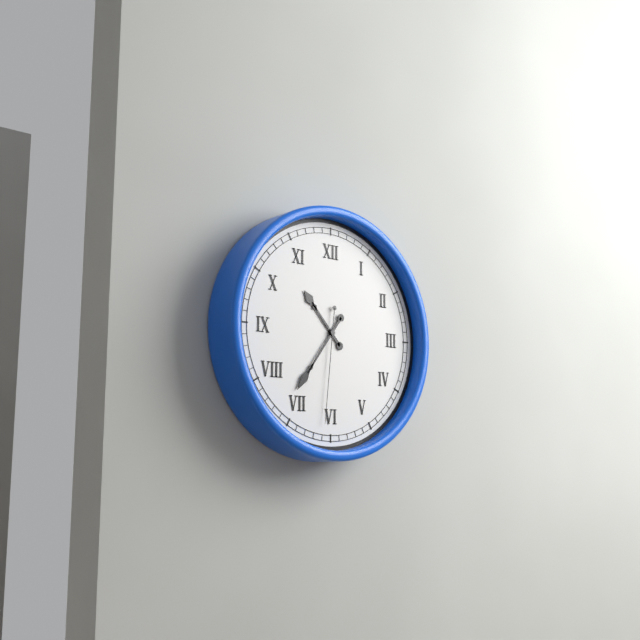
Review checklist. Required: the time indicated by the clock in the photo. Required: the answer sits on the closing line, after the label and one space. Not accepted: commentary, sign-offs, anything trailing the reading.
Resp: 10:36:31
